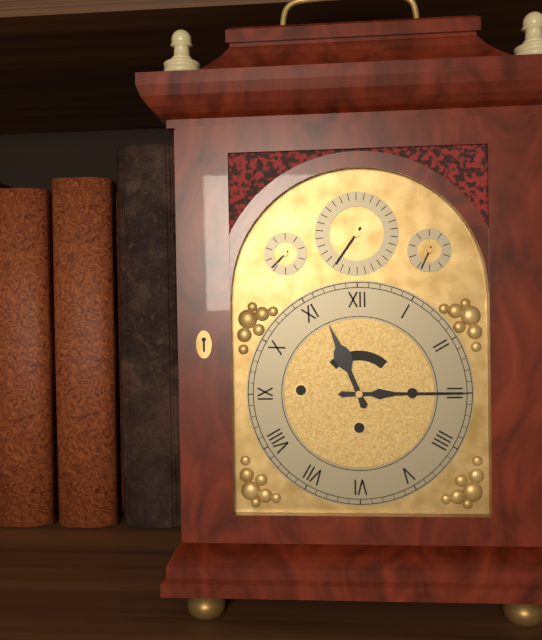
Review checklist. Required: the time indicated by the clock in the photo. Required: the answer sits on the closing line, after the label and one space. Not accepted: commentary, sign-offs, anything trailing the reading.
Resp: 11:15
